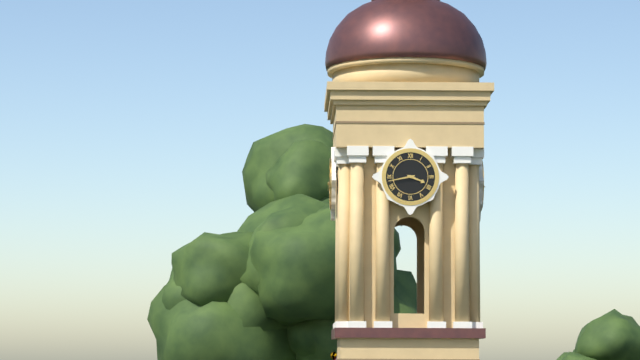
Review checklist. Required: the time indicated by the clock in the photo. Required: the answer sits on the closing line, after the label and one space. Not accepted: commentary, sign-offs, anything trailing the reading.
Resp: 3:43
